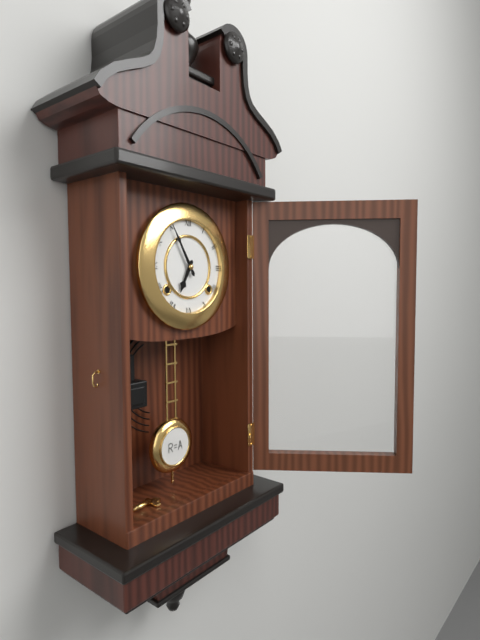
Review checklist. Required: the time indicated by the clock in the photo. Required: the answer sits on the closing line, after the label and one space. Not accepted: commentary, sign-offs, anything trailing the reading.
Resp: 6:55
